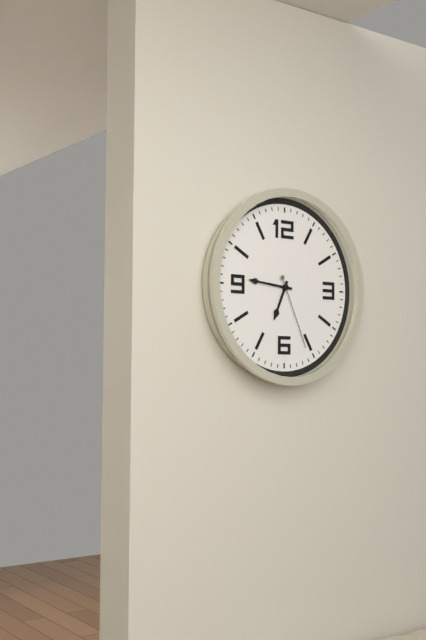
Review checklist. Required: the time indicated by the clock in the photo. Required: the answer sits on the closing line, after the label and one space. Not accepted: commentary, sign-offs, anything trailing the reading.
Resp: 6:46:26
